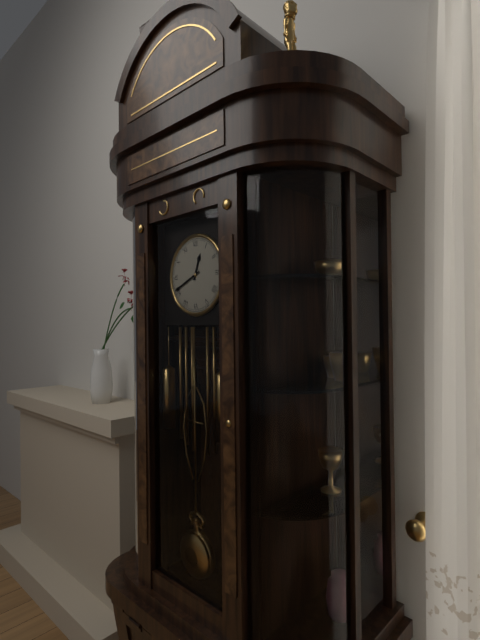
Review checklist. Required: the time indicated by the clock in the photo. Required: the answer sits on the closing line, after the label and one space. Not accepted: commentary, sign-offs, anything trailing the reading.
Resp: 12:41
